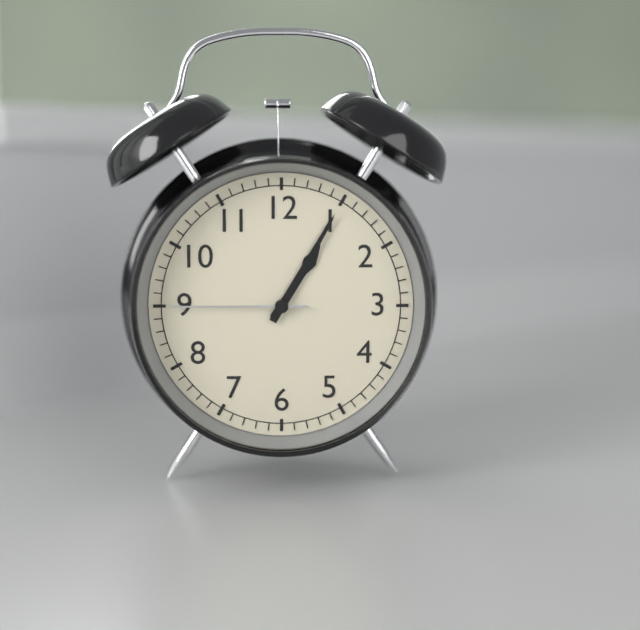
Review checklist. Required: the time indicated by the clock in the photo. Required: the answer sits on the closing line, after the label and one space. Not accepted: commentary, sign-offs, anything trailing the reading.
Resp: 1:05:45
